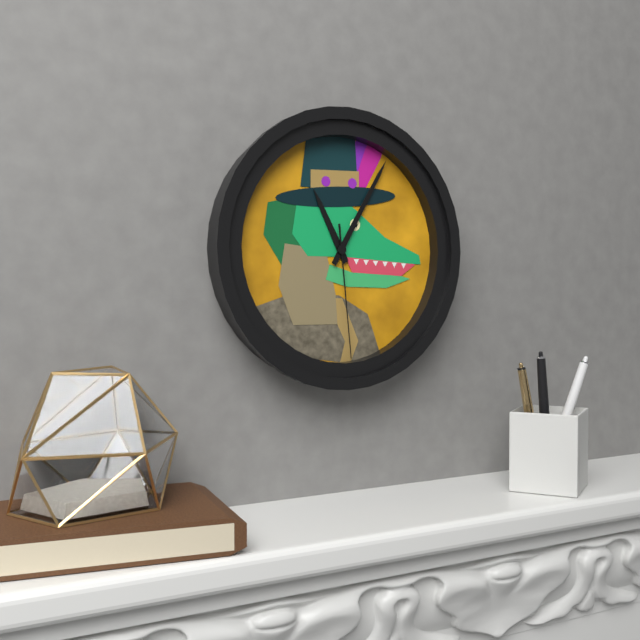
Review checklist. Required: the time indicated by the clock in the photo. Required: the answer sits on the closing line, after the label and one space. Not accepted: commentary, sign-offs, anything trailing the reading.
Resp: 11:05:29
